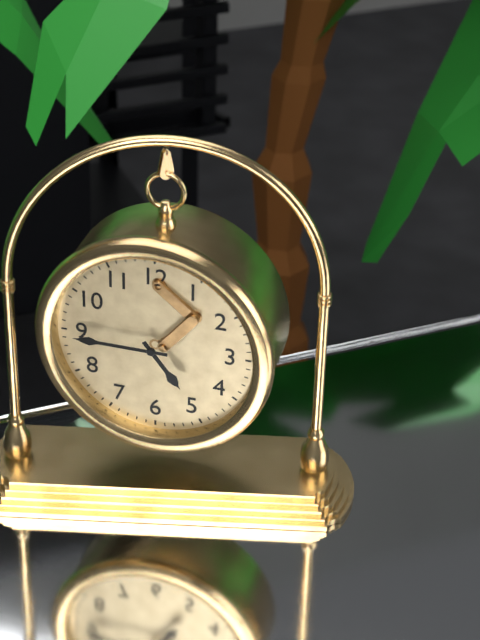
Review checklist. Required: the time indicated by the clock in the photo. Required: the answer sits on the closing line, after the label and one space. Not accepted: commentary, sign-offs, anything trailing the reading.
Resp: 4:45
